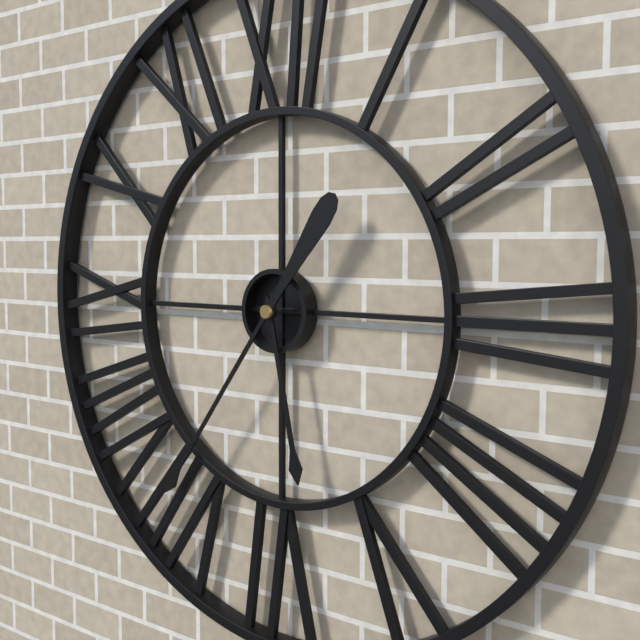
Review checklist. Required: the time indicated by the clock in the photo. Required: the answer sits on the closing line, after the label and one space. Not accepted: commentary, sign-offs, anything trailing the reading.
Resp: 5:36
